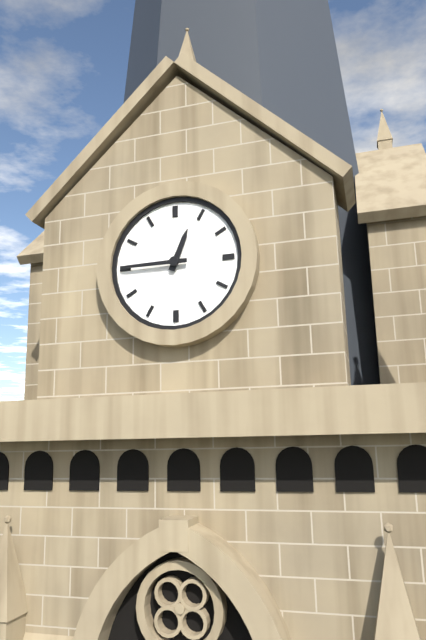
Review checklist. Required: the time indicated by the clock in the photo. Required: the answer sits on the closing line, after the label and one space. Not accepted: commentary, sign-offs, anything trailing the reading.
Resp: 12:45
